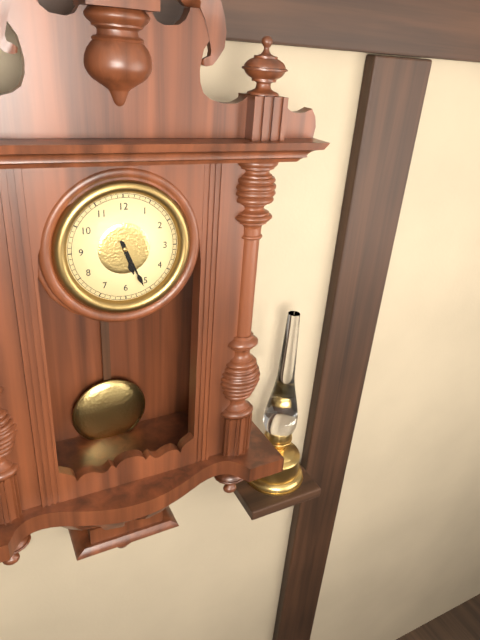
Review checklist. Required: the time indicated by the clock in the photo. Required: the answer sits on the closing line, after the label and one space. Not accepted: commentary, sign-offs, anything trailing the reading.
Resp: 5:26
